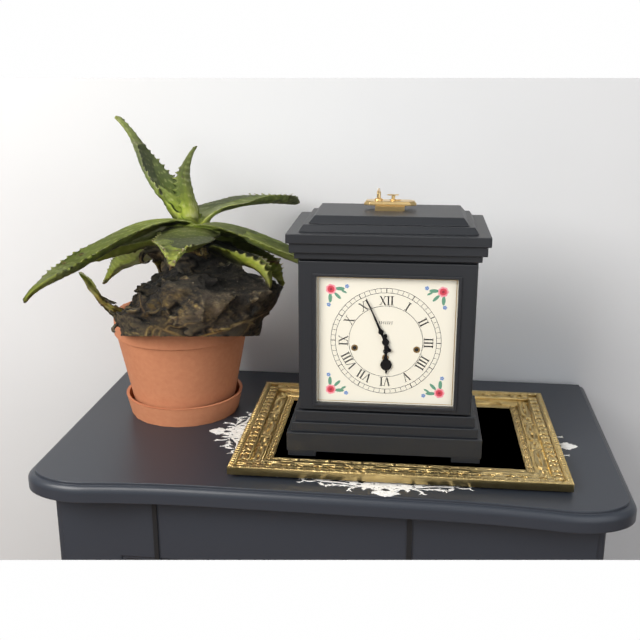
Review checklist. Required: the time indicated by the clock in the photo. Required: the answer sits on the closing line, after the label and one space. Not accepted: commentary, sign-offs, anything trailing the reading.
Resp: 5:56
